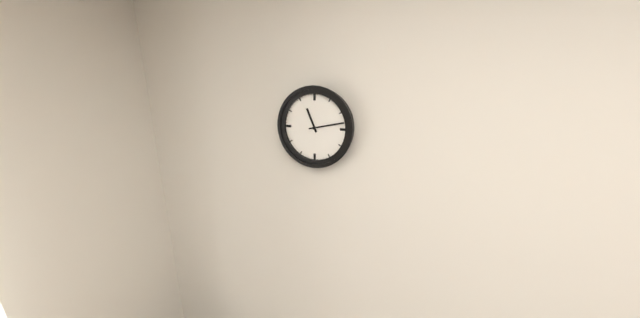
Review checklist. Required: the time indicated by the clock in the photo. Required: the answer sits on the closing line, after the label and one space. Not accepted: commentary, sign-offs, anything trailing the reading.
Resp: 11:13
